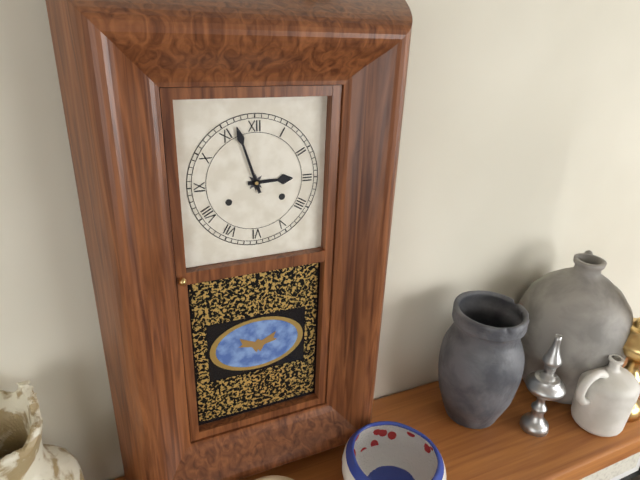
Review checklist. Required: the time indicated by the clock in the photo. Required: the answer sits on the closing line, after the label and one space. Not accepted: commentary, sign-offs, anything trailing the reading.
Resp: 2:57
